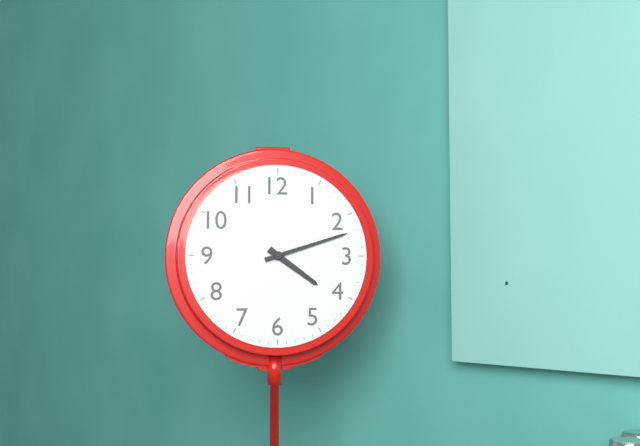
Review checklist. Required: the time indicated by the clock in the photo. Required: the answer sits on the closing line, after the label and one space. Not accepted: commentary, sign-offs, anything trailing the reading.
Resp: 4:12
